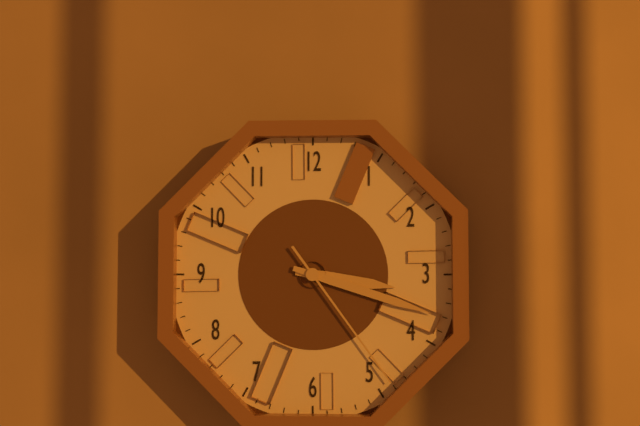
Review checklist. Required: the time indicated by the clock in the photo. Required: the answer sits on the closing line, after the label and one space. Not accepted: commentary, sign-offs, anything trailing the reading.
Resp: 3:18:24
